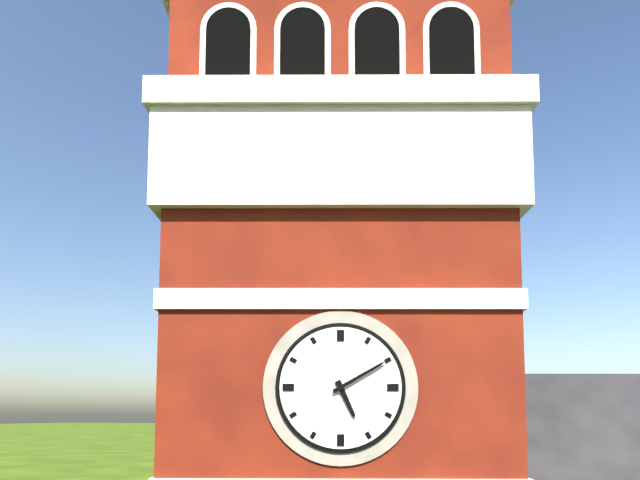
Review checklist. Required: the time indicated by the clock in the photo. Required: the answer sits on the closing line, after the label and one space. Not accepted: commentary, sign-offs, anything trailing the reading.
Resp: 5:10
